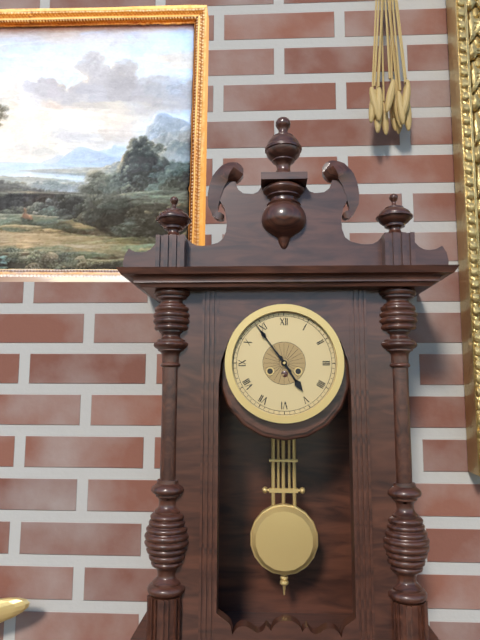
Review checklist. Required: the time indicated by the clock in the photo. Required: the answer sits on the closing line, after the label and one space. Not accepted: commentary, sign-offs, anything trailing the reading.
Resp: 4:54
